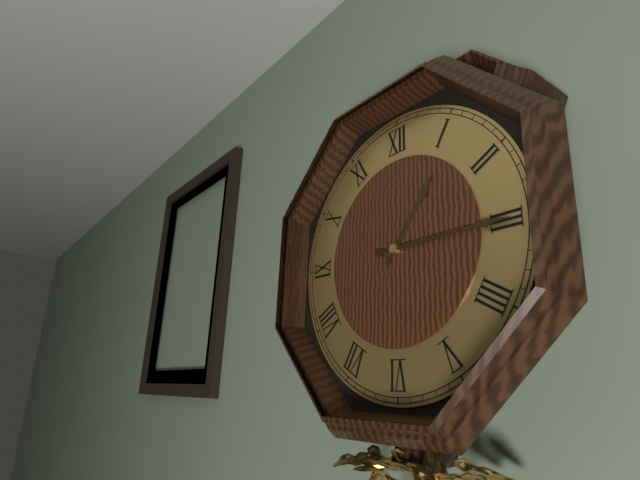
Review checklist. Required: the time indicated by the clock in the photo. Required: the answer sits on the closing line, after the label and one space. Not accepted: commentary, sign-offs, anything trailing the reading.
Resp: 1:15
